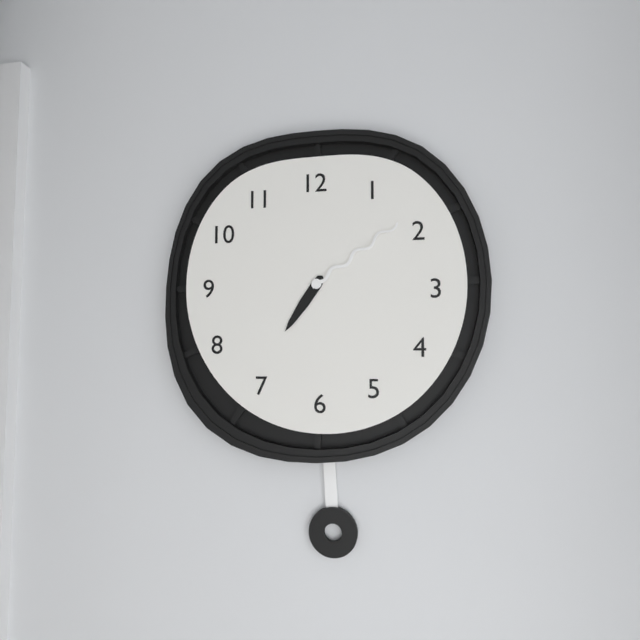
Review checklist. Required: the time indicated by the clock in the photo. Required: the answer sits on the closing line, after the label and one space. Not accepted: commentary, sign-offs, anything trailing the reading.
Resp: 7:09
